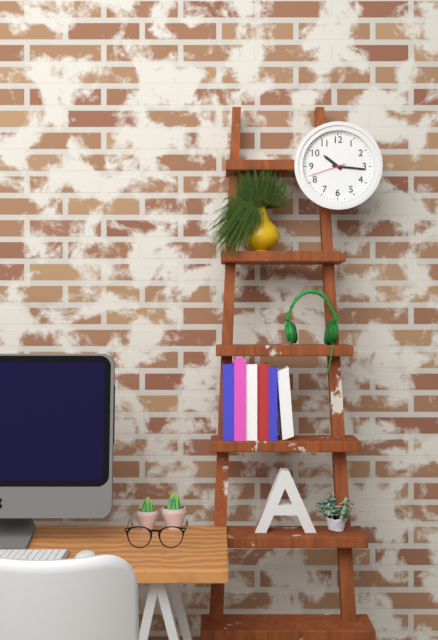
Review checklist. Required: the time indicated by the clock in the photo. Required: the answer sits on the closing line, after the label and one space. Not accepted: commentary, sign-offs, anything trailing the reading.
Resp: 10:16
